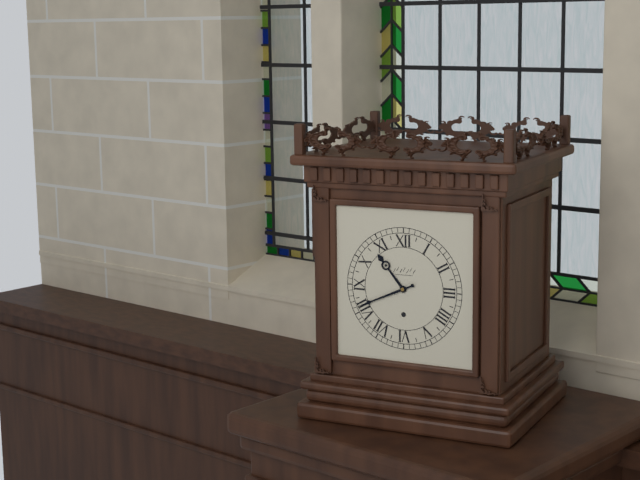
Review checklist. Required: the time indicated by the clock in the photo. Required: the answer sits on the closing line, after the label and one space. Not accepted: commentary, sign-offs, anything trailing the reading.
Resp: 10:41
